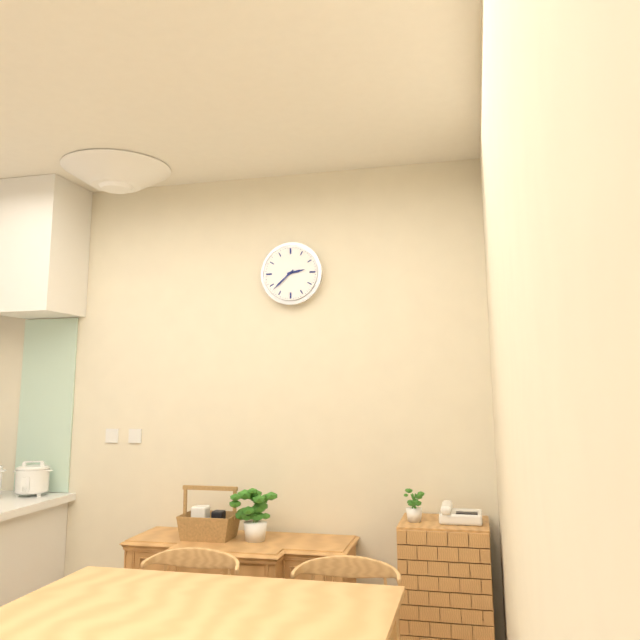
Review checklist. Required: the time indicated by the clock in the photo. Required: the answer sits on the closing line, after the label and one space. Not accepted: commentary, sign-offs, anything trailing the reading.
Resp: 2:38
